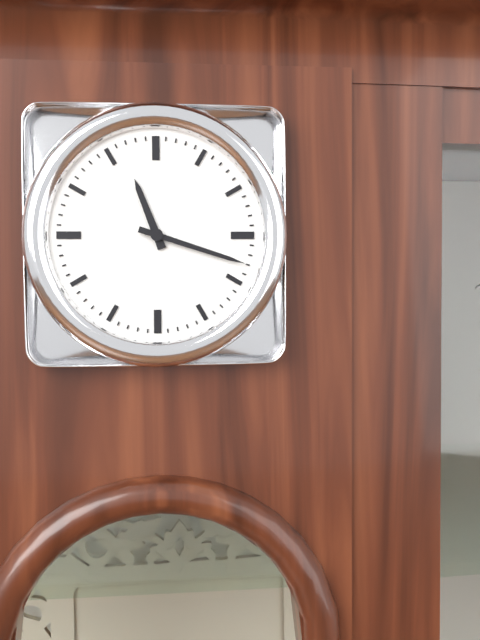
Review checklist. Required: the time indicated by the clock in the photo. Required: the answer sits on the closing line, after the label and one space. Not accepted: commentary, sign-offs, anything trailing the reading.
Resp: 11:18
